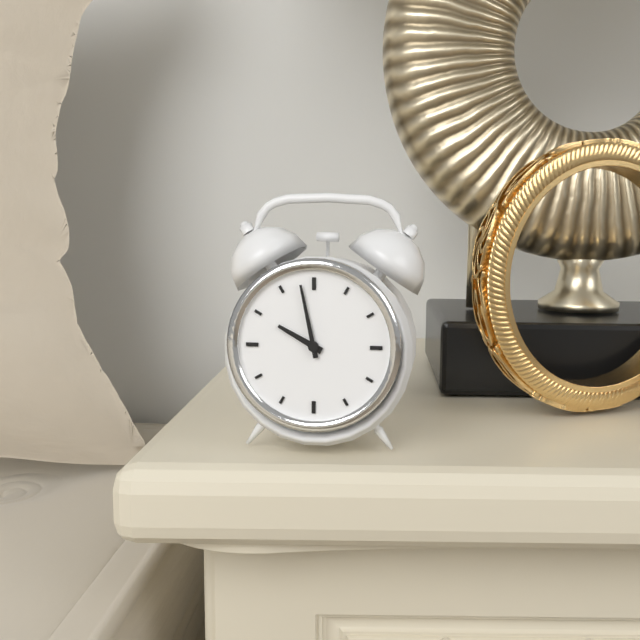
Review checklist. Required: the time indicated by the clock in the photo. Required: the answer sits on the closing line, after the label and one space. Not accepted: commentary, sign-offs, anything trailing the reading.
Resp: 9:58
